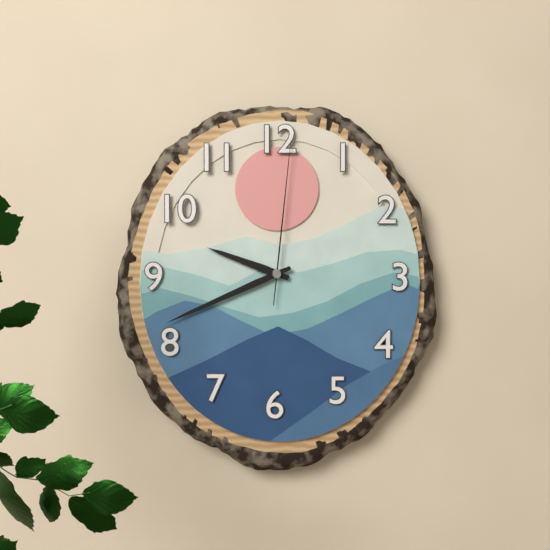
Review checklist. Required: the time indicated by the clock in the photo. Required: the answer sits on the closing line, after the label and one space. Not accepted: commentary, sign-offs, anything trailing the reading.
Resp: 9:41:01
